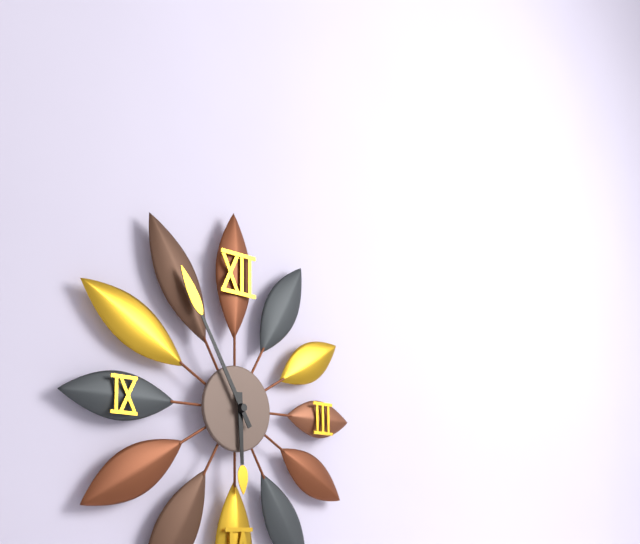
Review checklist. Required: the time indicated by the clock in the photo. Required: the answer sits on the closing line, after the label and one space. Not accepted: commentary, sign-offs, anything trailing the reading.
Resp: 5:55
